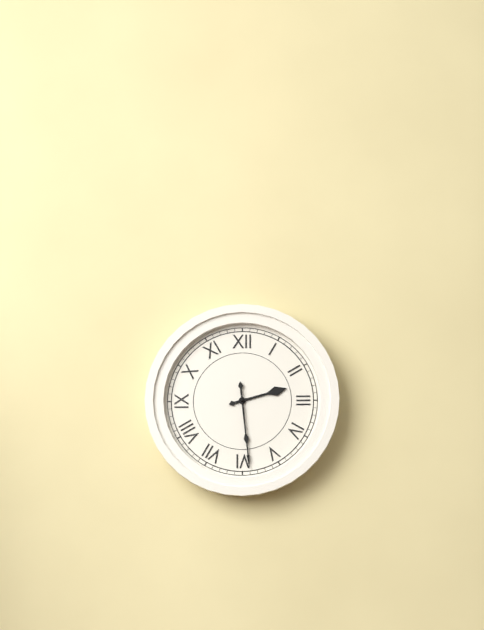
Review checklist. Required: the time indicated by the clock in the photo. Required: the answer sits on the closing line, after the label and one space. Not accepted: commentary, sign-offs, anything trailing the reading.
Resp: 2:29
